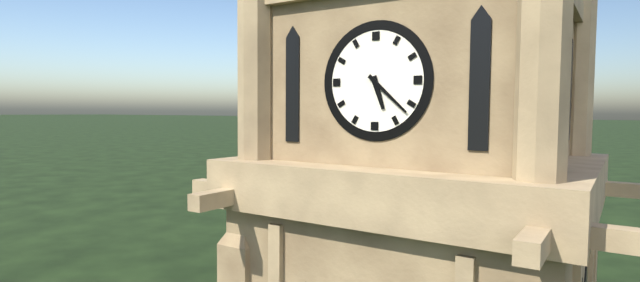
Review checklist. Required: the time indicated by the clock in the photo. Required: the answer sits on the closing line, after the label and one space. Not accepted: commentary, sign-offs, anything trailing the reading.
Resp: 5:22
